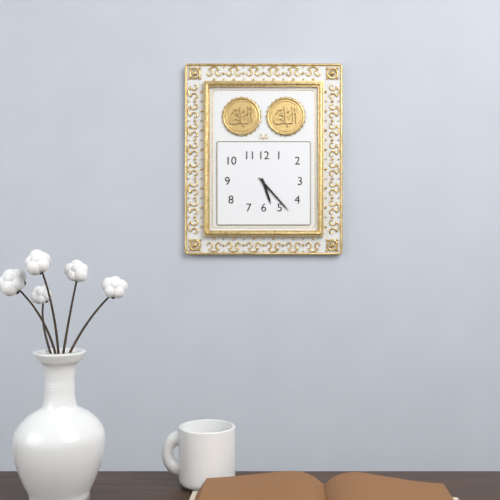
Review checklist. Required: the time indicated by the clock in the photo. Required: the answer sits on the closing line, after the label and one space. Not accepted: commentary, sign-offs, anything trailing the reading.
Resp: 5:23
